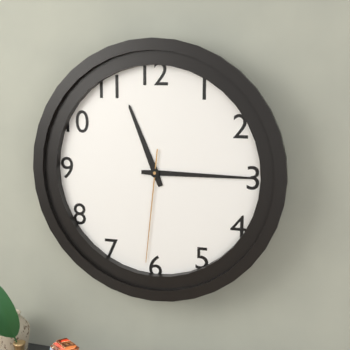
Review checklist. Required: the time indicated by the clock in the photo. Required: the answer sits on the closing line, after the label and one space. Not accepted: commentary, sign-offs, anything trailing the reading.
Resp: 11:15:31
